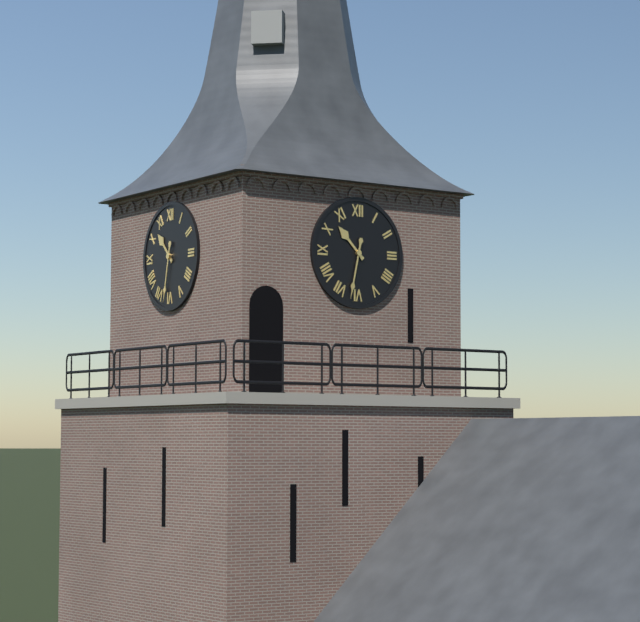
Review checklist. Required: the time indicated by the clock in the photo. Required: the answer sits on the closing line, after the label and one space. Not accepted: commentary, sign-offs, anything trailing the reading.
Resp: 10:32
